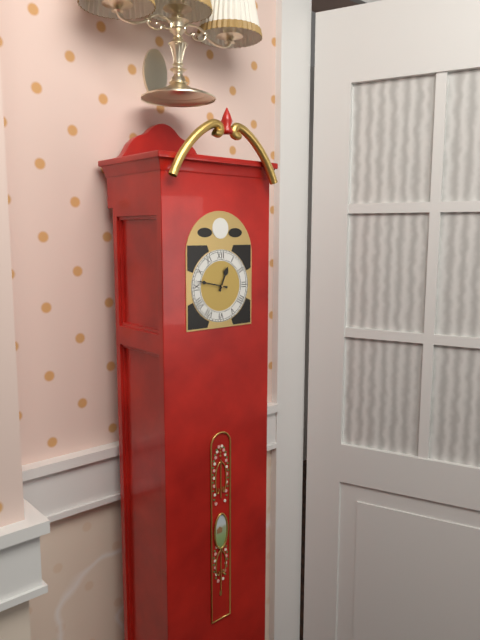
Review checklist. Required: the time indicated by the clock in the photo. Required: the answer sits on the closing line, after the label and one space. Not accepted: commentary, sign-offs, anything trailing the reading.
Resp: 12:47
